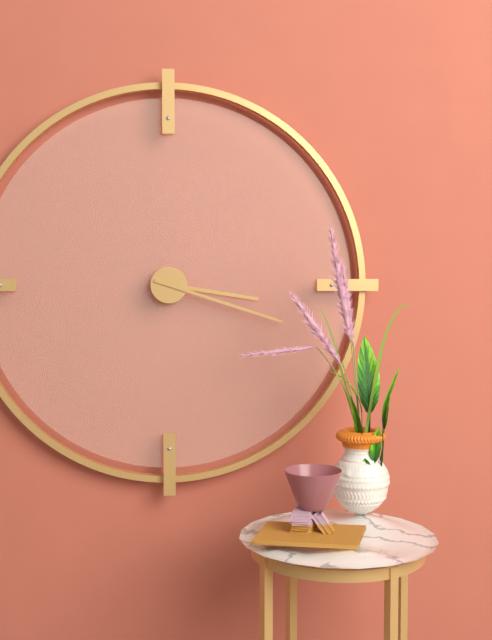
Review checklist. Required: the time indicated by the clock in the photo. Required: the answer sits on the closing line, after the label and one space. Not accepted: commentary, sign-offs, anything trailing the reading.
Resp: 3:18
